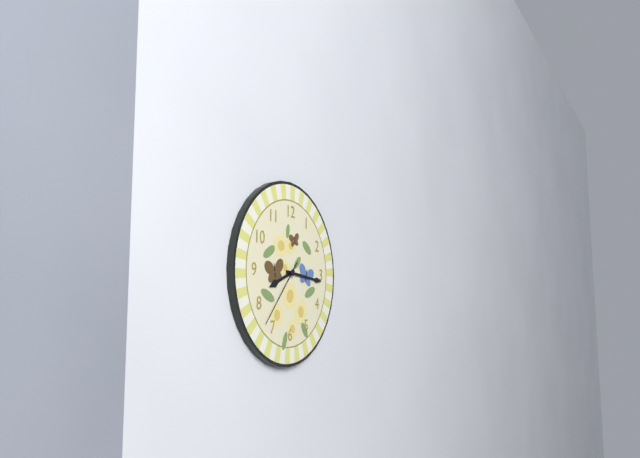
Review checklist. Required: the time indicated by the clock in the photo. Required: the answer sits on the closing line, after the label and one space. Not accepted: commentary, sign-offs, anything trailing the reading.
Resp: 8:16:37
